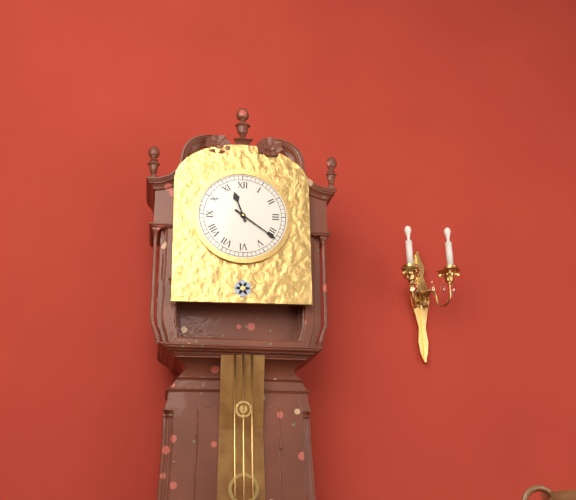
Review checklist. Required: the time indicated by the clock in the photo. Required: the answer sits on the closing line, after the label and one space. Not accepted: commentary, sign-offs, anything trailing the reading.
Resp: 11:21
